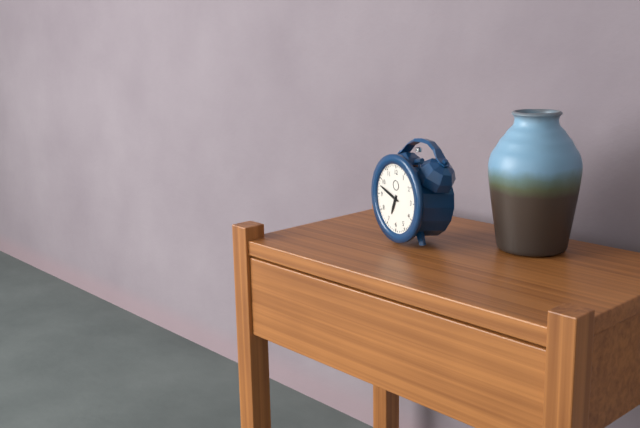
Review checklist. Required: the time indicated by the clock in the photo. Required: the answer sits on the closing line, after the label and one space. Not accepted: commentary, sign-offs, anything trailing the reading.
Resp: 6:48
